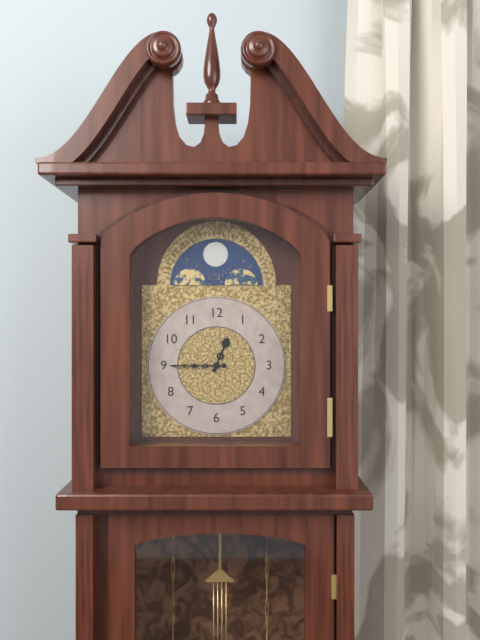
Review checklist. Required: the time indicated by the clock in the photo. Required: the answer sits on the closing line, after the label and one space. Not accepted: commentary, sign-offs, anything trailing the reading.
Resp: 12:45
